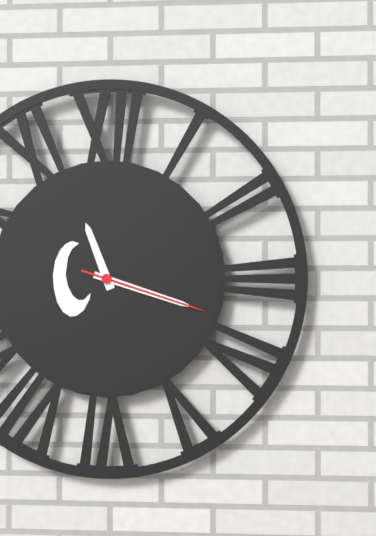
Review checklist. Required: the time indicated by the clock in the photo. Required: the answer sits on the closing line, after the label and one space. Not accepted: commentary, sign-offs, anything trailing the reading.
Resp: 11:18:18
